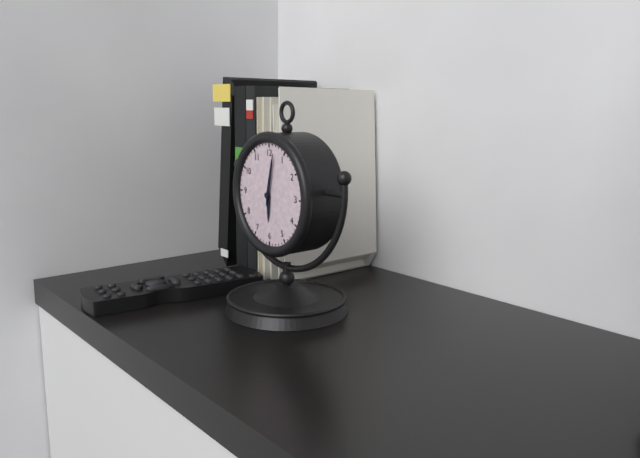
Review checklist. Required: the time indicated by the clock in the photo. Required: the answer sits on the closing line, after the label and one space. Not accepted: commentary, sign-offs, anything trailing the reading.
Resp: 6:02
